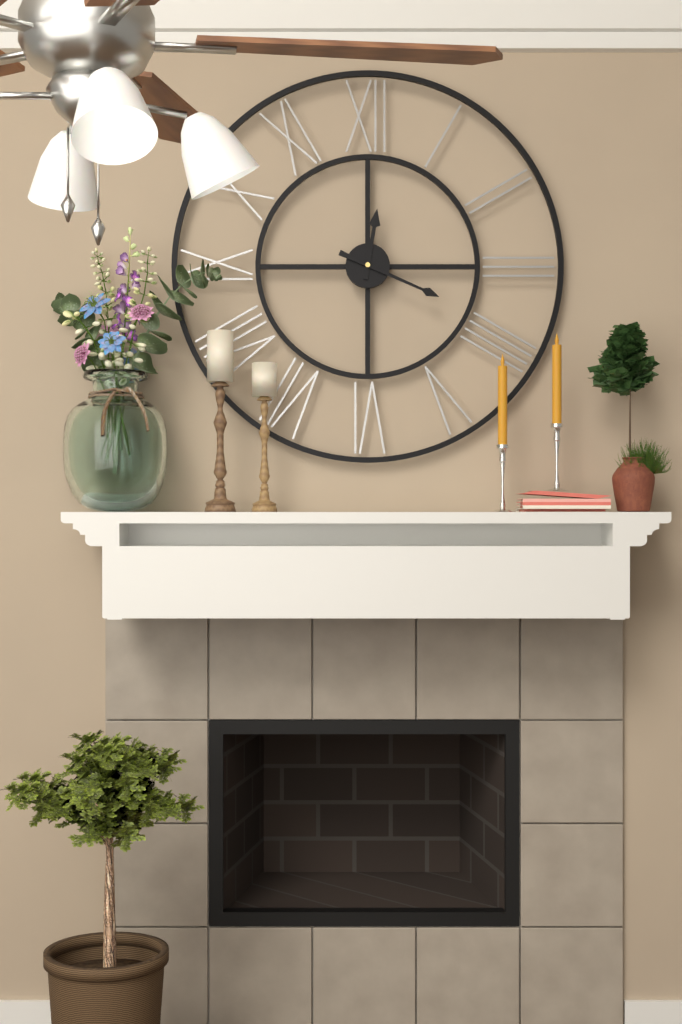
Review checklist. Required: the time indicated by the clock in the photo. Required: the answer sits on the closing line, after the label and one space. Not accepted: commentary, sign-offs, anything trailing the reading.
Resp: 12:19
